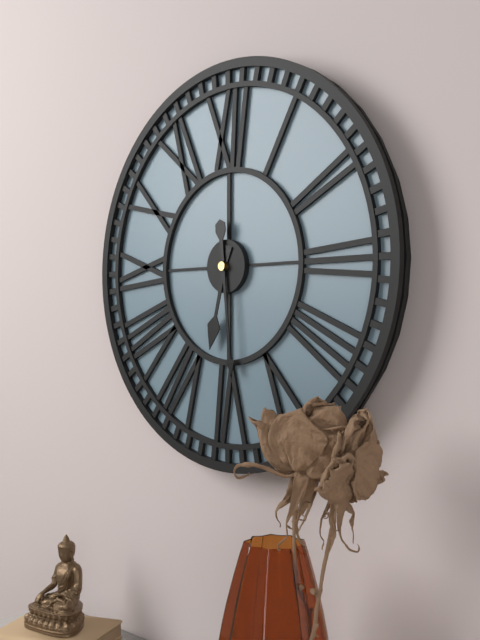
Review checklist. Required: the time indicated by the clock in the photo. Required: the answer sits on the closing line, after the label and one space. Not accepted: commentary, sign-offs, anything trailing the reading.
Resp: 6:29
